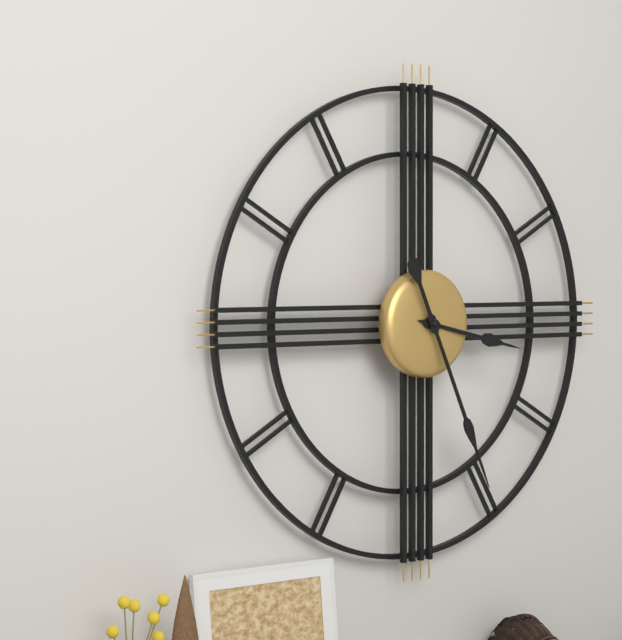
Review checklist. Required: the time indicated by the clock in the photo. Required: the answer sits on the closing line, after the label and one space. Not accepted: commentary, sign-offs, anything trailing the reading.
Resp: 3:26
